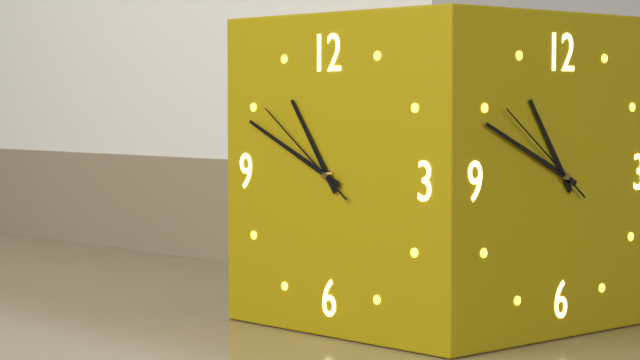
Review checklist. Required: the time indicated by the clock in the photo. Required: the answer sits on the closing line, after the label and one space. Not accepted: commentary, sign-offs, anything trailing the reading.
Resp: 10:49:51
